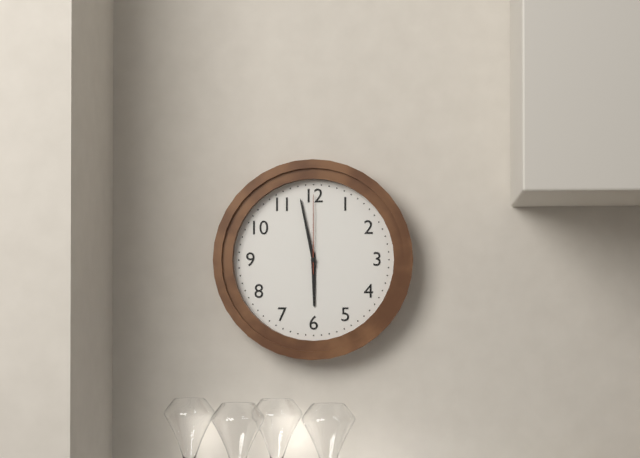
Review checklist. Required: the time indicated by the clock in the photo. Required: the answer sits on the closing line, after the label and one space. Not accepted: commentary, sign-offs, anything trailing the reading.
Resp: 5:58:00
